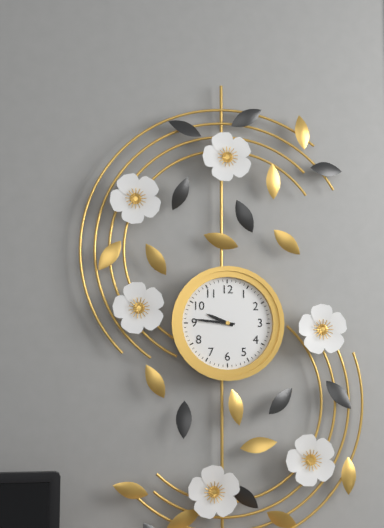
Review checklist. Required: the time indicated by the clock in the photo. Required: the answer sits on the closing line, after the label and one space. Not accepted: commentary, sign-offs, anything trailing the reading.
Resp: 9:46
